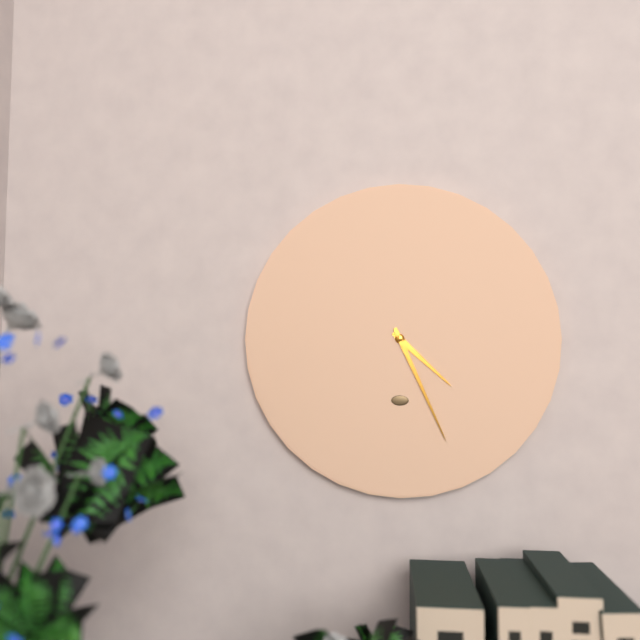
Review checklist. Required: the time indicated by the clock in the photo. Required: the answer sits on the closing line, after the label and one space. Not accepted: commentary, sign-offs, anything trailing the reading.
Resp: 4:26
